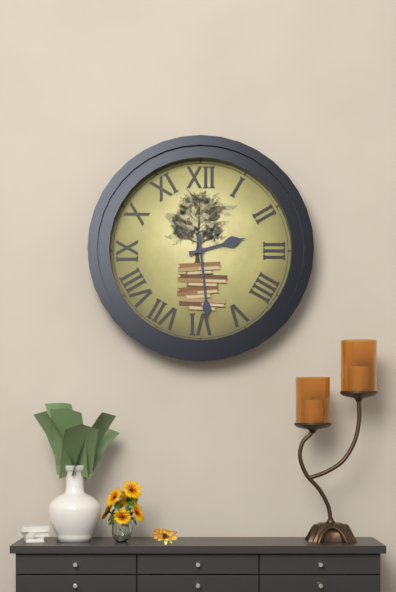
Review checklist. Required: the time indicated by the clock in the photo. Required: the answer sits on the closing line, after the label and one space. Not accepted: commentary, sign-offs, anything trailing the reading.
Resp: 2:29
